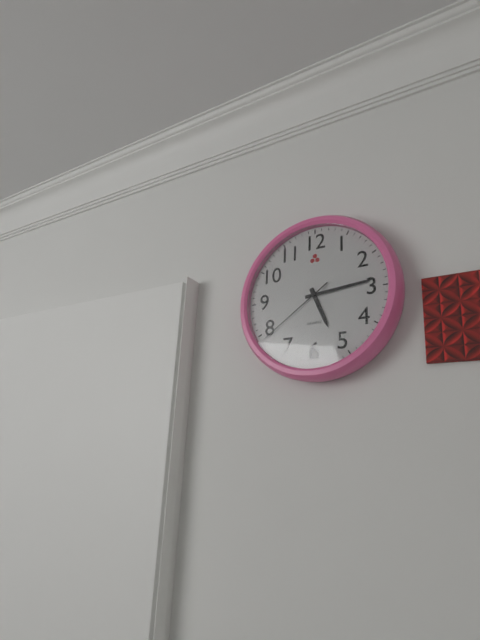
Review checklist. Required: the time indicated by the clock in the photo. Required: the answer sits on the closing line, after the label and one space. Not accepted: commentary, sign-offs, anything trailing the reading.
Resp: 5:14:39
